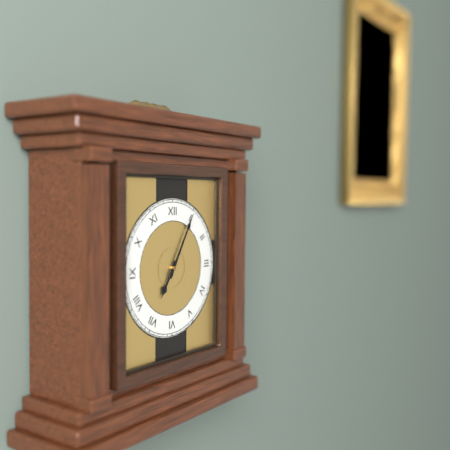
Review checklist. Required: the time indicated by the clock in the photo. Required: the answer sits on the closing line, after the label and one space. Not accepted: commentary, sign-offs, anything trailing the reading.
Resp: 7:05
